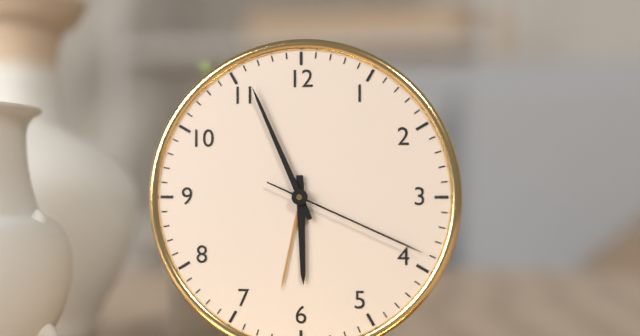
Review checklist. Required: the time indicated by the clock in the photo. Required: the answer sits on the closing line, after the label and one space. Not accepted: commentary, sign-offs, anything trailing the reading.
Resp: 5:56:19
